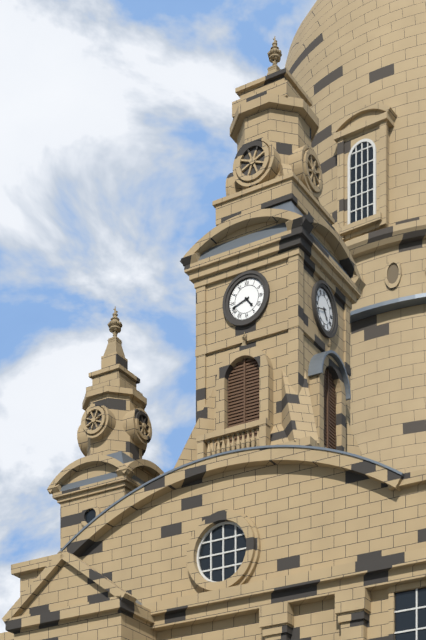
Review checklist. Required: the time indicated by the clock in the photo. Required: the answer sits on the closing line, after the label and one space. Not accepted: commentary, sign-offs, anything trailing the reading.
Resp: 4:42
